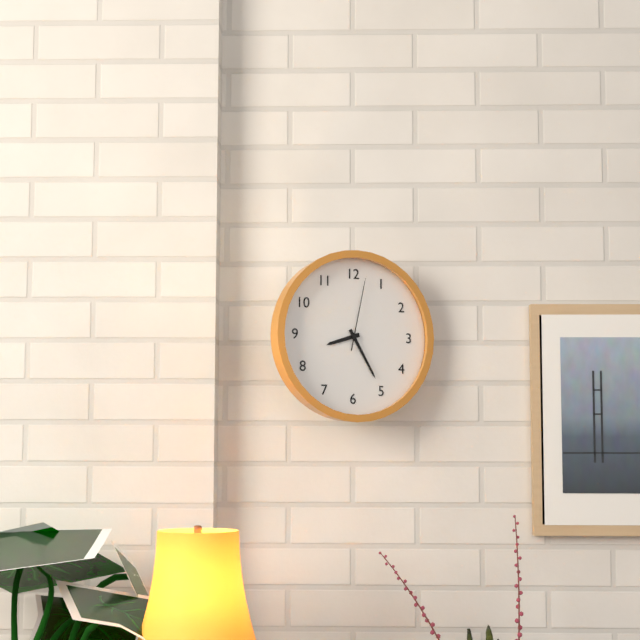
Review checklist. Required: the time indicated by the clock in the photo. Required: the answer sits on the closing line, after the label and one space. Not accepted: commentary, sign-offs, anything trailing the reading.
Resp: 8:25:02
